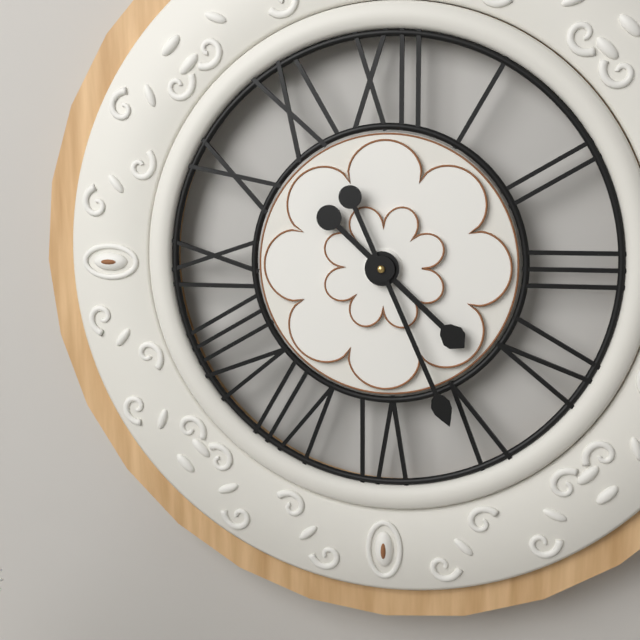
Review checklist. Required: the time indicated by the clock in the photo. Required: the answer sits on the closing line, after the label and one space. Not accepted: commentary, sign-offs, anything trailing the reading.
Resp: 4:26
